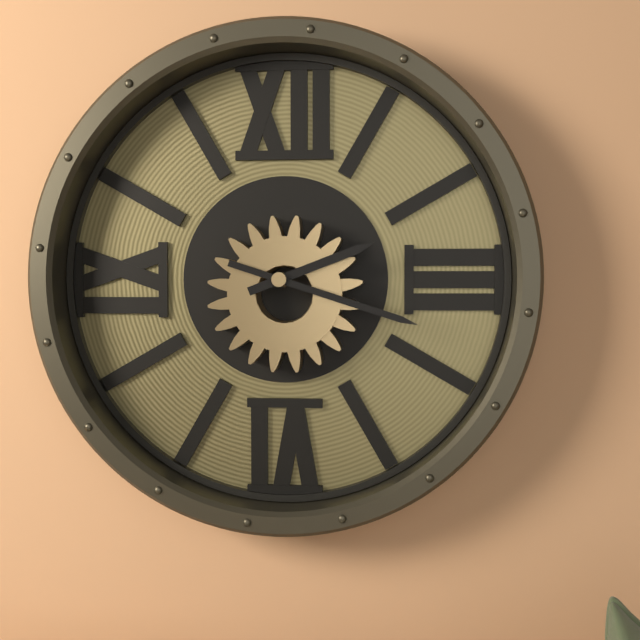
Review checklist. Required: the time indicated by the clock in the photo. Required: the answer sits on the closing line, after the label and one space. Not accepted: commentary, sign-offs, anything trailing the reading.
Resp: 2:18
